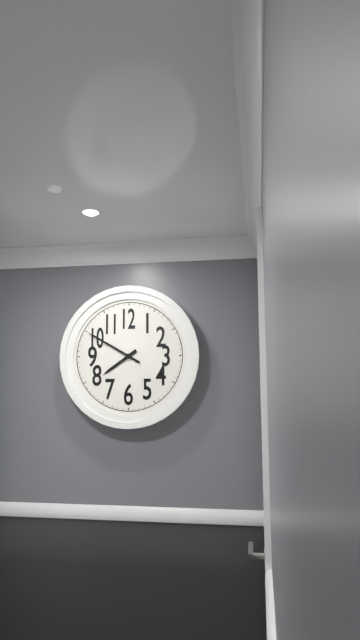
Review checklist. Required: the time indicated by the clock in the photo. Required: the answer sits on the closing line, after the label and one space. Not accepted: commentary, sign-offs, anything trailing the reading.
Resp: 7:50
